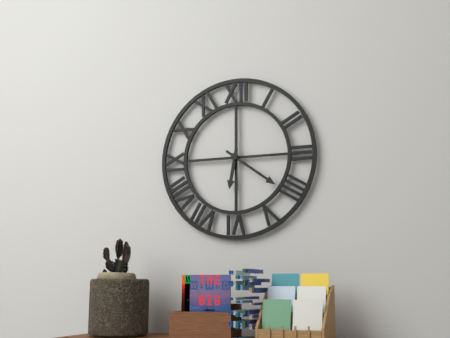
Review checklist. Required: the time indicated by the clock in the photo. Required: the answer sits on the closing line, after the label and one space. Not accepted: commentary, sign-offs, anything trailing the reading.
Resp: 6:21
